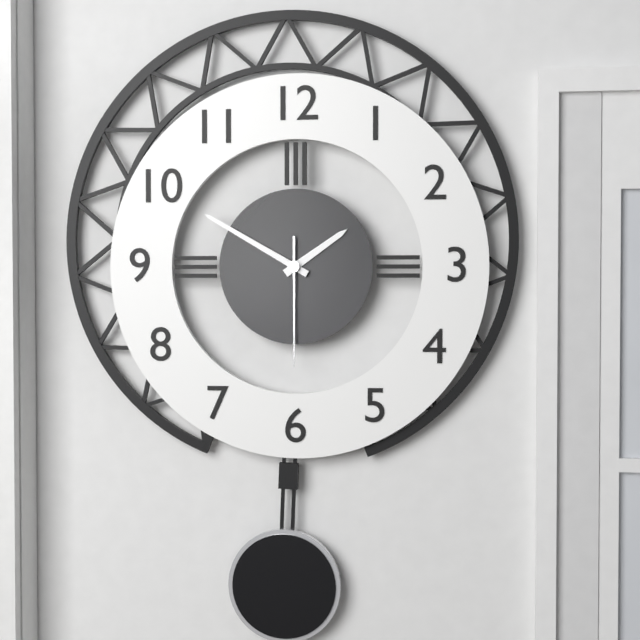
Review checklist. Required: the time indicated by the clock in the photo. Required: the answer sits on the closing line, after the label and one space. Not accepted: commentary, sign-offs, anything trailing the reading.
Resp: 1:50:30
